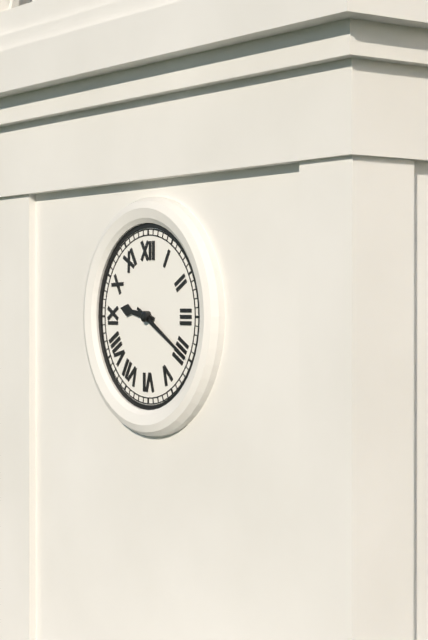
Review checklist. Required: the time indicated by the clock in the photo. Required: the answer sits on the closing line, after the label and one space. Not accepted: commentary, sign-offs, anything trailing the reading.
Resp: 9:20
